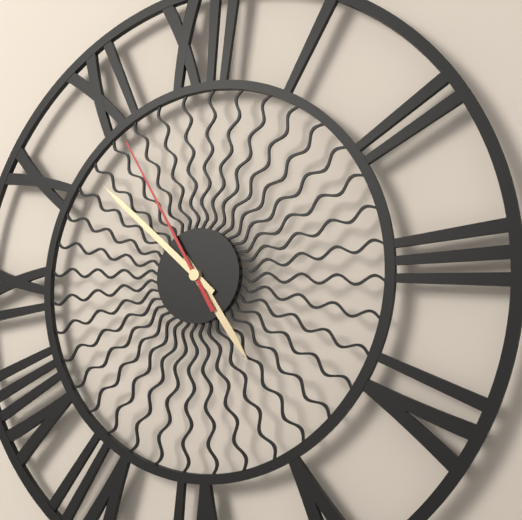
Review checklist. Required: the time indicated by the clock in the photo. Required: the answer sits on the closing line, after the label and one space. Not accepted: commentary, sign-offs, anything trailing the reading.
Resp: 4:52:55
